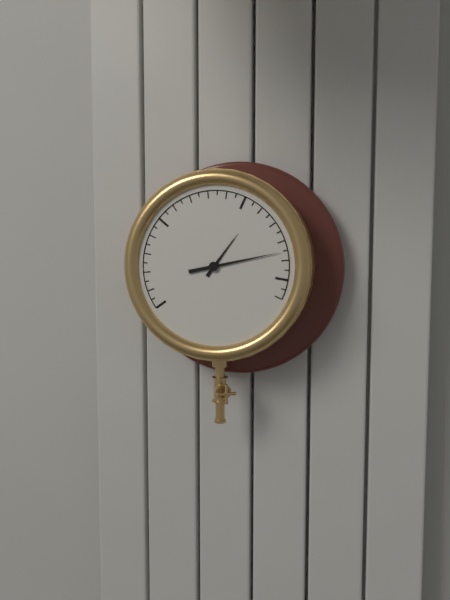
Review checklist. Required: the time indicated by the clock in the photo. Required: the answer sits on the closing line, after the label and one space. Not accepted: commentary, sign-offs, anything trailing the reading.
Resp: 1:13
